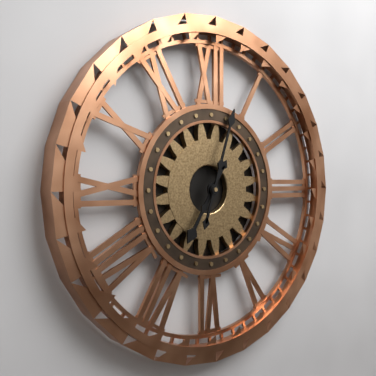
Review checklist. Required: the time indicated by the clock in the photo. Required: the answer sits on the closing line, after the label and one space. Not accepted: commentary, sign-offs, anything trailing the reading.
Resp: 7:03
